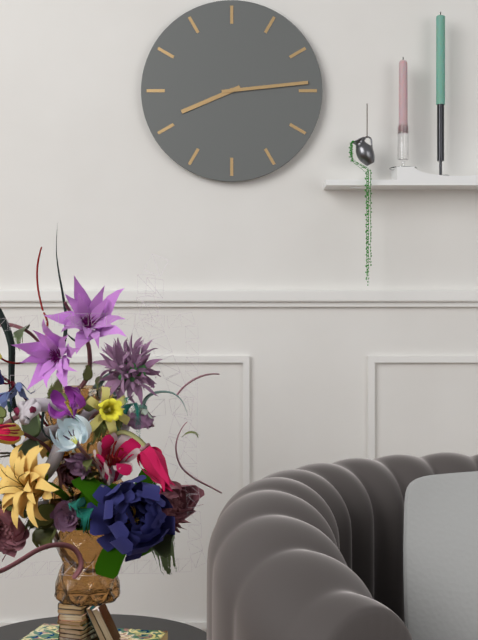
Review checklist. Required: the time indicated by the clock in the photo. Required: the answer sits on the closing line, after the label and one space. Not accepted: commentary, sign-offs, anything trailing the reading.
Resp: 8:14
